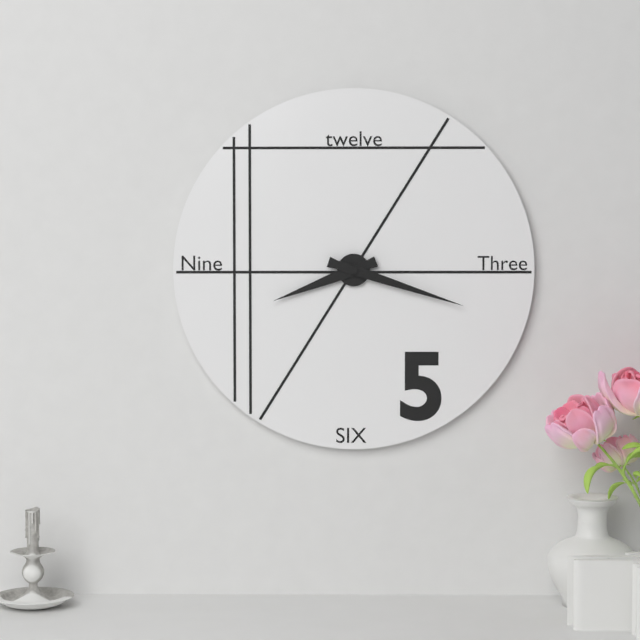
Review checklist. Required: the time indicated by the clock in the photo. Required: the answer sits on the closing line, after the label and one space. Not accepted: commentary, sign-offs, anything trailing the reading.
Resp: 8:18
